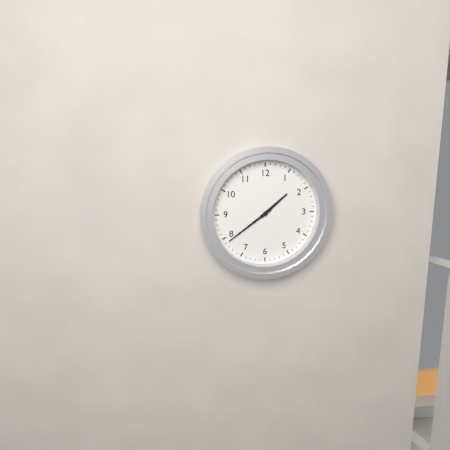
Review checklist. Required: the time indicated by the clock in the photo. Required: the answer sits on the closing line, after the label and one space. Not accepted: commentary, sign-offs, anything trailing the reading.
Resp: 1:39
